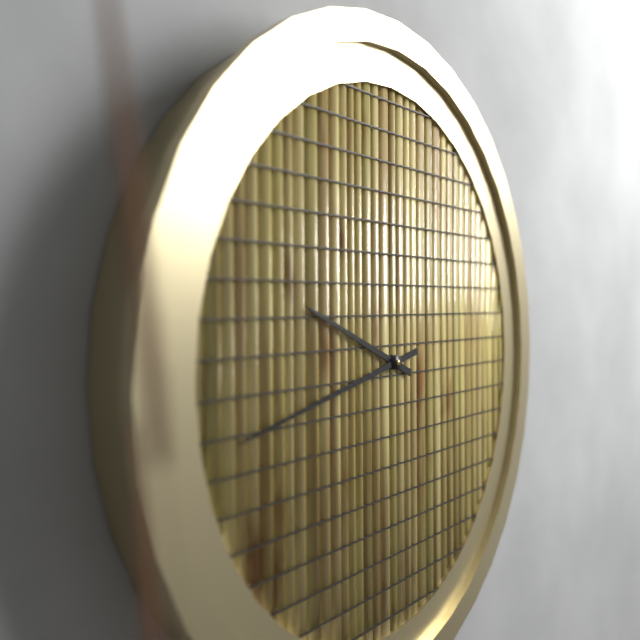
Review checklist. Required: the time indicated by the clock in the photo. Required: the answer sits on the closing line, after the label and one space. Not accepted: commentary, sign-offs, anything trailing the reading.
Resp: 9:43
